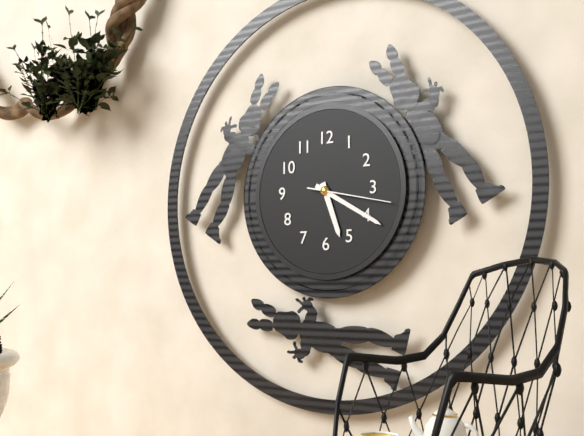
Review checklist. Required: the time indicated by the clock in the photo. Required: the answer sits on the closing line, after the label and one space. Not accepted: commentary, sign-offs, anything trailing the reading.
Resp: 5:20:17
